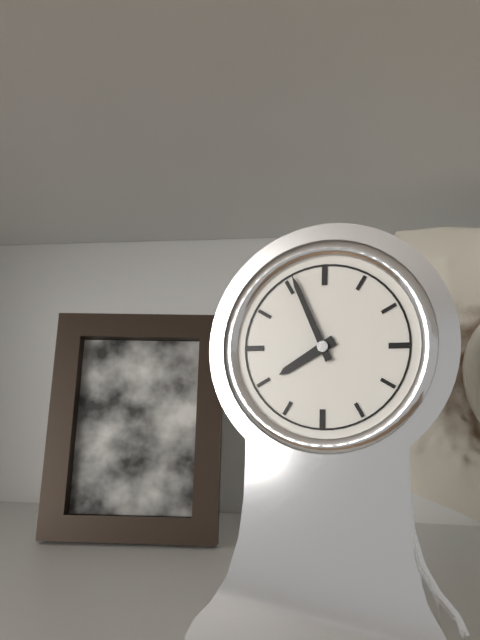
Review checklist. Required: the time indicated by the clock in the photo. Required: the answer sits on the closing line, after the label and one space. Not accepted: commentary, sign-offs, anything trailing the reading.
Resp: 7:56
